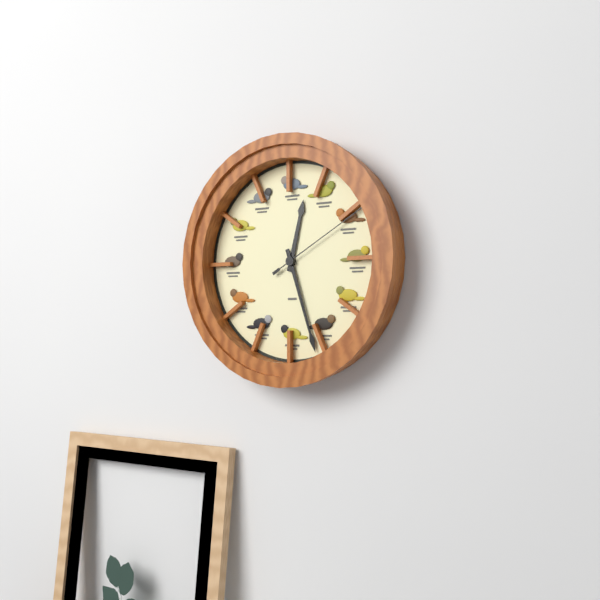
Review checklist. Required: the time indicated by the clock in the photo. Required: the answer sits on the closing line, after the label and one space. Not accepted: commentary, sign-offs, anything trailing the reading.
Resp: 12:27:10
